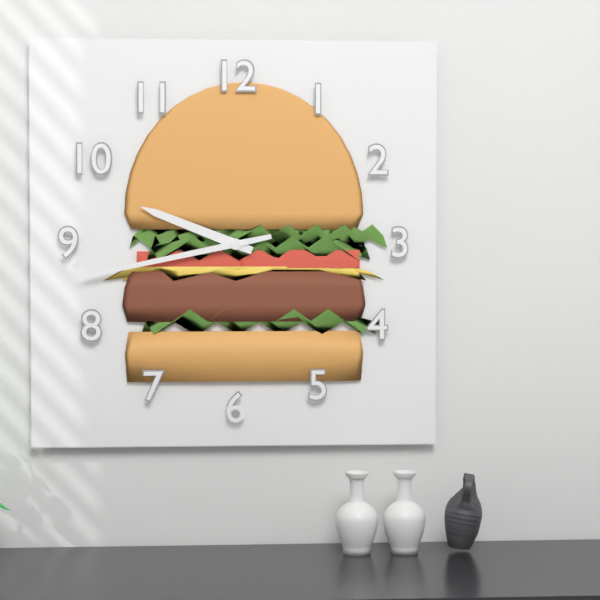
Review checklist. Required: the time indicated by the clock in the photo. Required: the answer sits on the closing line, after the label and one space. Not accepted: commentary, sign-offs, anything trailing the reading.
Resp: 9:43
